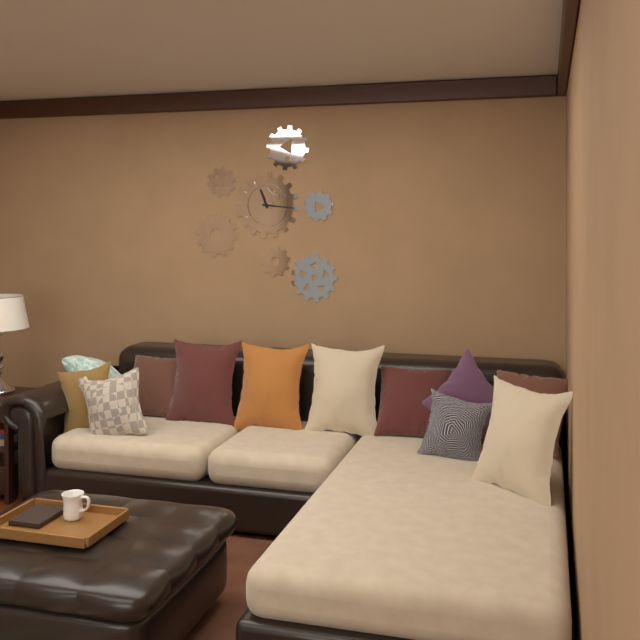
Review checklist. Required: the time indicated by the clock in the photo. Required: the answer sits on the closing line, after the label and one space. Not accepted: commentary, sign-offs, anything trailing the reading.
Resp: 11:16
